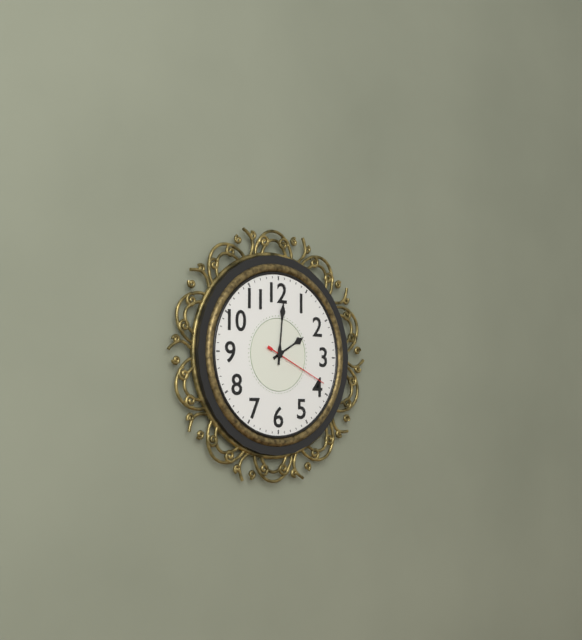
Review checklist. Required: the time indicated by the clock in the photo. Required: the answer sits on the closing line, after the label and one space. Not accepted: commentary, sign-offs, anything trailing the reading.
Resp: 2:01:19
